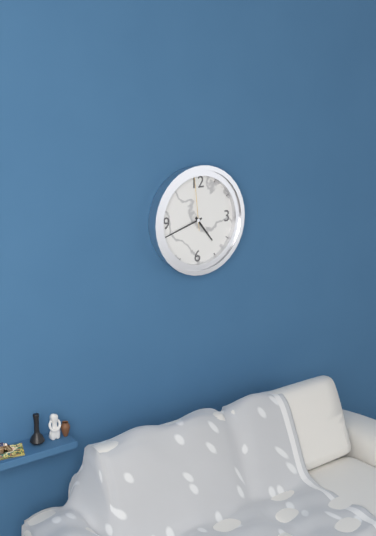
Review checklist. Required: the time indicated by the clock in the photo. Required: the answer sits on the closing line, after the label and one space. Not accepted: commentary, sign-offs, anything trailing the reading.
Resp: 4:42:59
